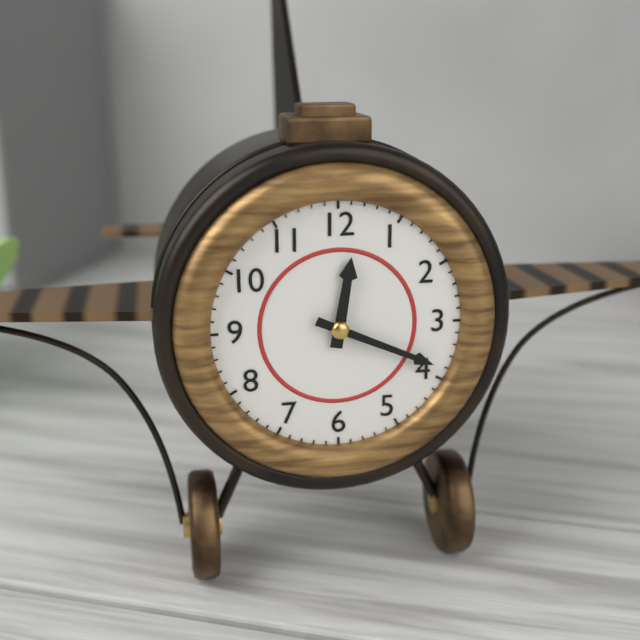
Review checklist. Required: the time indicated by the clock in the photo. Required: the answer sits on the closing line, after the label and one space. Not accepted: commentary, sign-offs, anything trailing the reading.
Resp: 12:19
